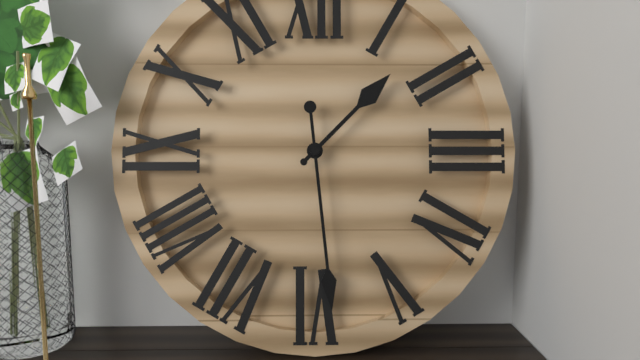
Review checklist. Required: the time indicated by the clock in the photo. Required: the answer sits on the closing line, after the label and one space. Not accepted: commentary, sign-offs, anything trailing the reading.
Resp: 1:29
